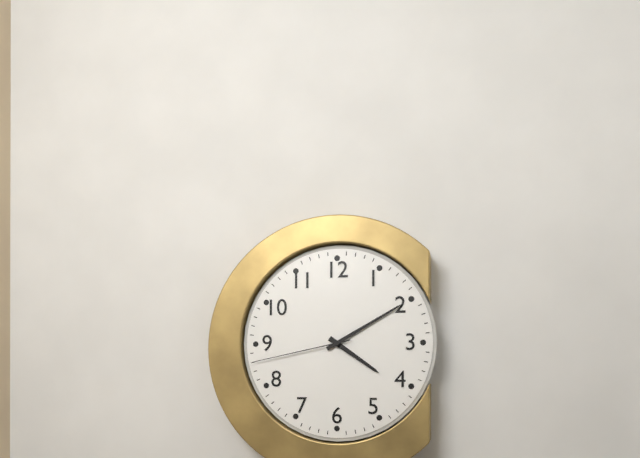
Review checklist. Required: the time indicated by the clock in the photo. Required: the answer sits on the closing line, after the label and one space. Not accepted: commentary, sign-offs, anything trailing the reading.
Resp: 4:10:43
